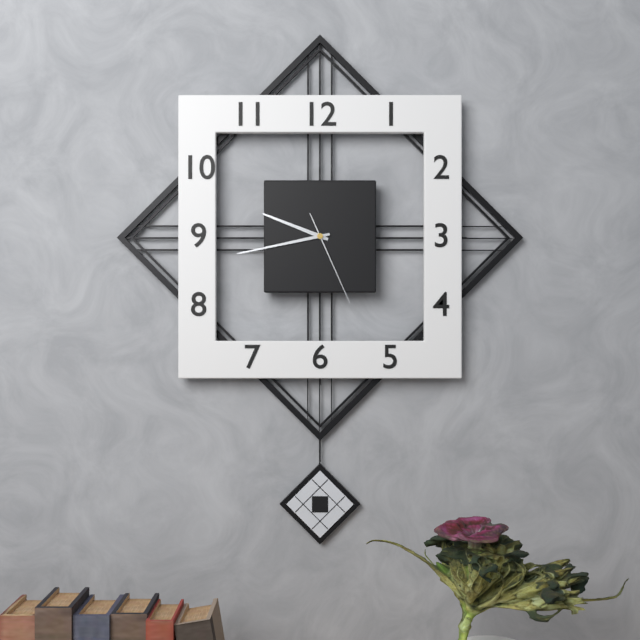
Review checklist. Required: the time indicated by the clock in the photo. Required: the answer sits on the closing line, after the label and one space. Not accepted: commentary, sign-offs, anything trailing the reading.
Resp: 9:43:26
